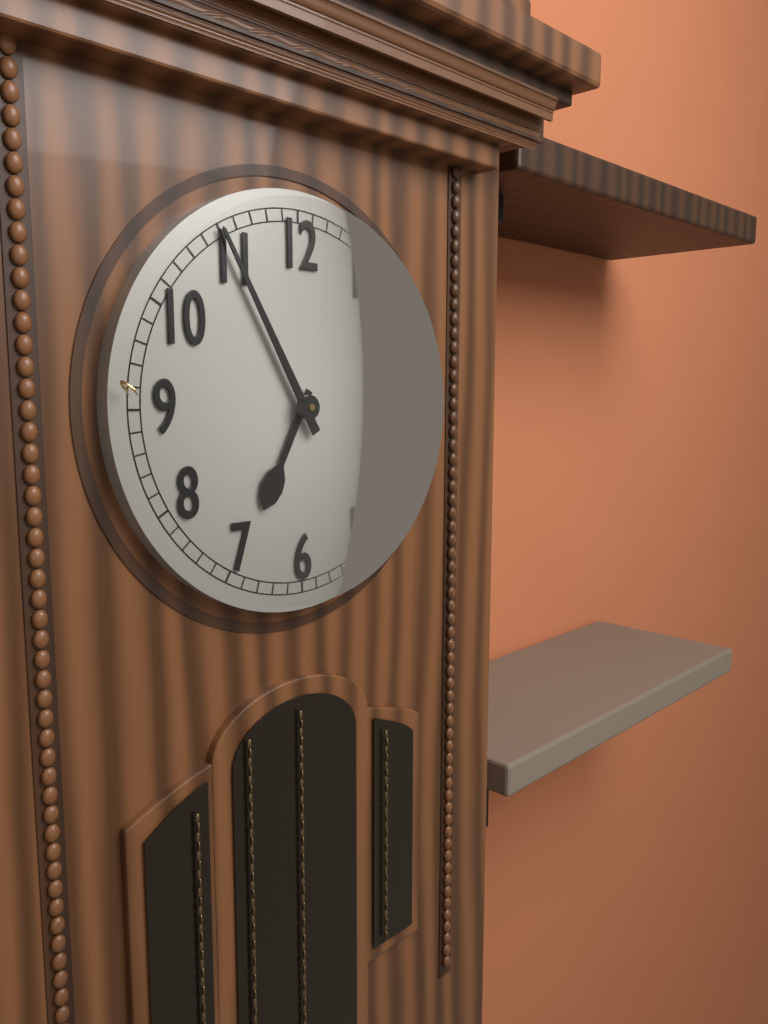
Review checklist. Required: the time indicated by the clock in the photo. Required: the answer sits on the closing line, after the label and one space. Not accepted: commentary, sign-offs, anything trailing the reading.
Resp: 6:55
